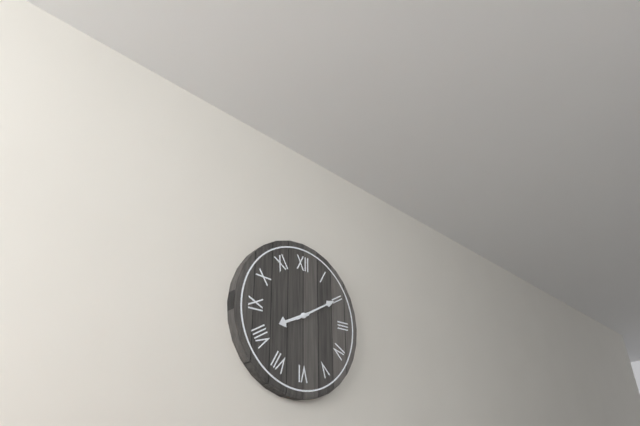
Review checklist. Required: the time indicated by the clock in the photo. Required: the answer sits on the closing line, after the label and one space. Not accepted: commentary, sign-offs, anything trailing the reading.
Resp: 8:10
